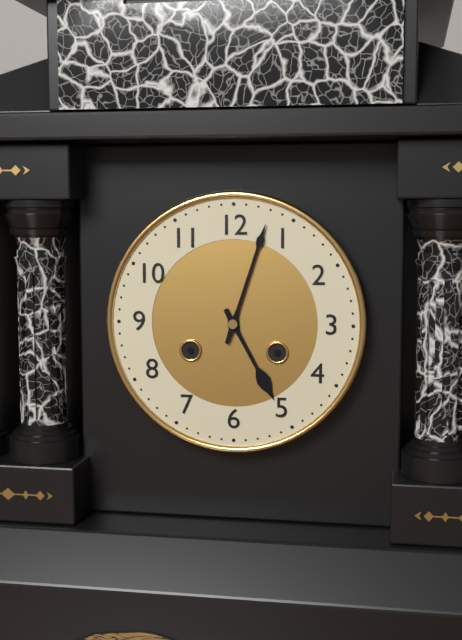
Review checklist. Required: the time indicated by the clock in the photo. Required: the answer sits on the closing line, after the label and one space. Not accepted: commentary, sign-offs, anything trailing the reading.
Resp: 5:03
